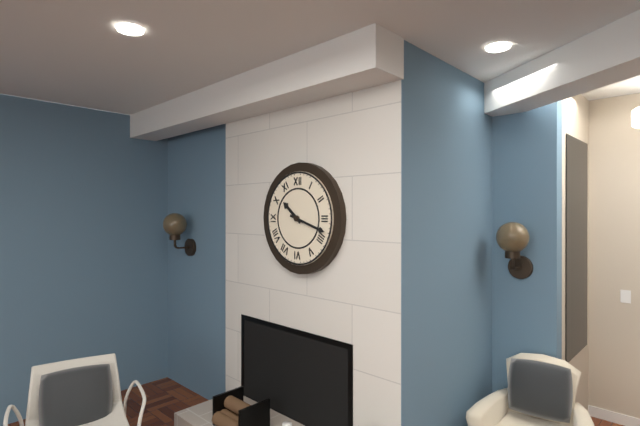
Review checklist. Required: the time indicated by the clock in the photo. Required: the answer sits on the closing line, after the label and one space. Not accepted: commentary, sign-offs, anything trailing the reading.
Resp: 10:18
